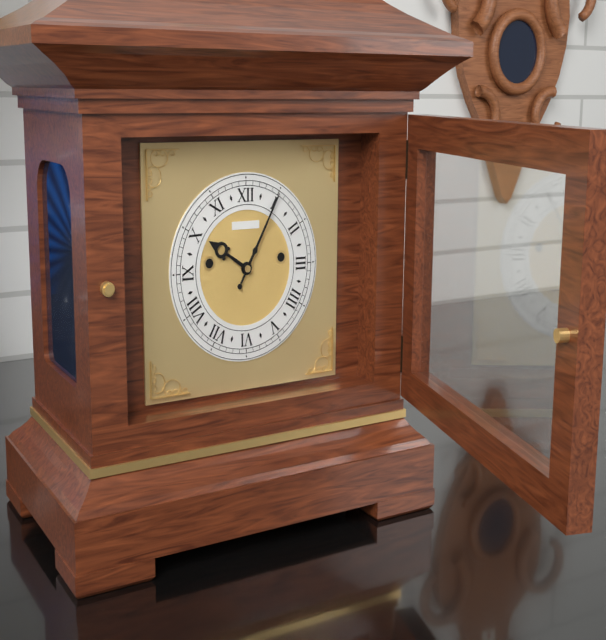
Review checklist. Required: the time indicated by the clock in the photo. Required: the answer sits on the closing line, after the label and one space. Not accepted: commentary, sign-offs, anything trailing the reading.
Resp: 10:05
